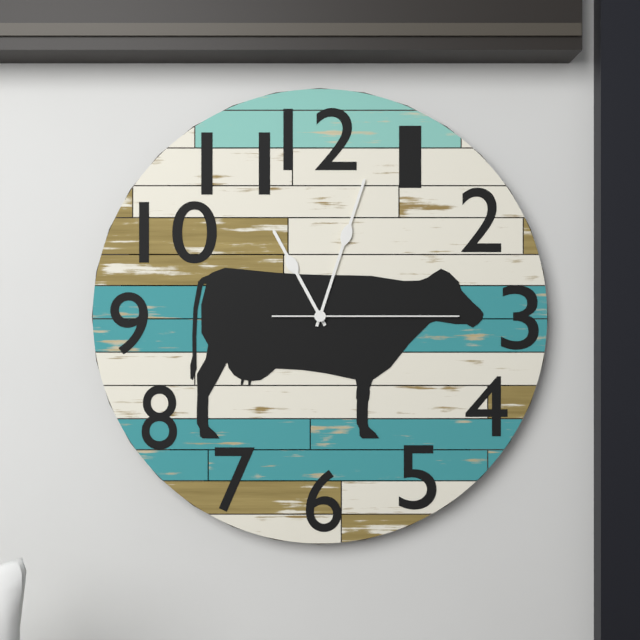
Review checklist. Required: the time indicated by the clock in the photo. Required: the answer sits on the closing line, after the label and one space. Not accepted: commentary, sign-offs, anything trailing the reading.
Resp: 11:03:15
